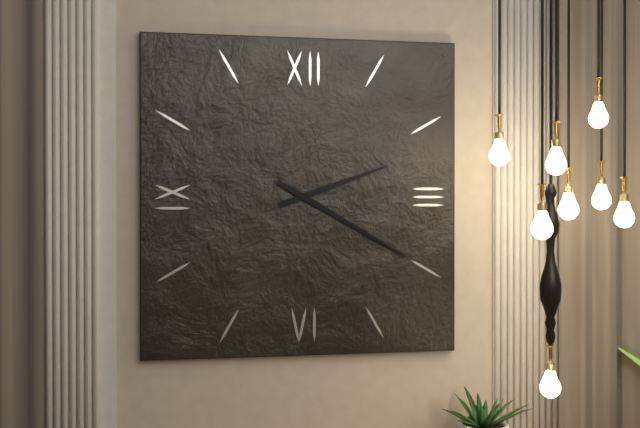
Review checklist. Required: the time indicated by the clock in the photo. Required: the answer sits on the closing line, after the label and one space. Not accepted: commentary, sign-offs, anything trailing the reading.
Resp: 2:20
